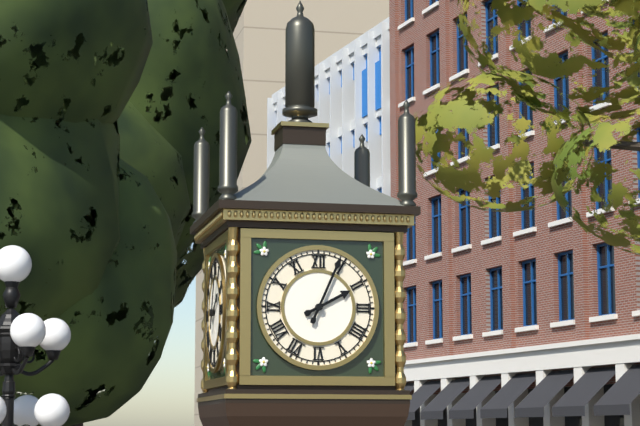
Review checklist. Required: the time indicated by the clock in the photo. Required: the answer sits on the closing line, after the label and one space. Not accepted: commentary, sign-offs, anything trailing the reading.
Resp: 2:04
